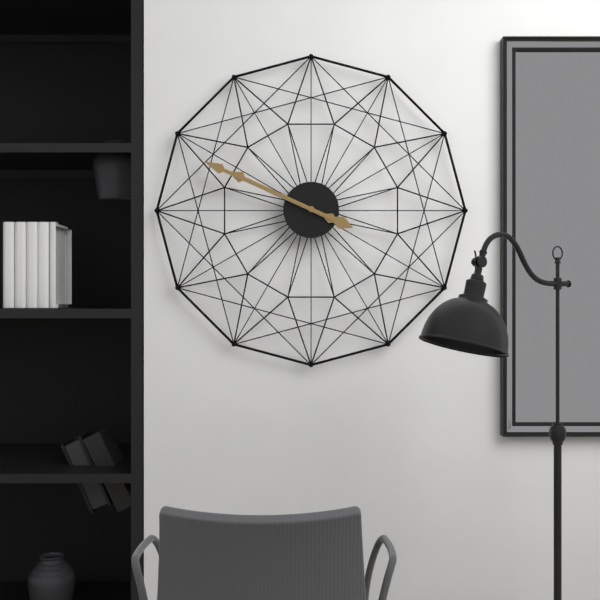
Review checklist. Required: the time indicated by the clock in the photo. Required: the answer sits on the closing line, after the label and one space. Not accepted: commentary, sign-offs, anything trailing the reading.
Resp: 9:49
